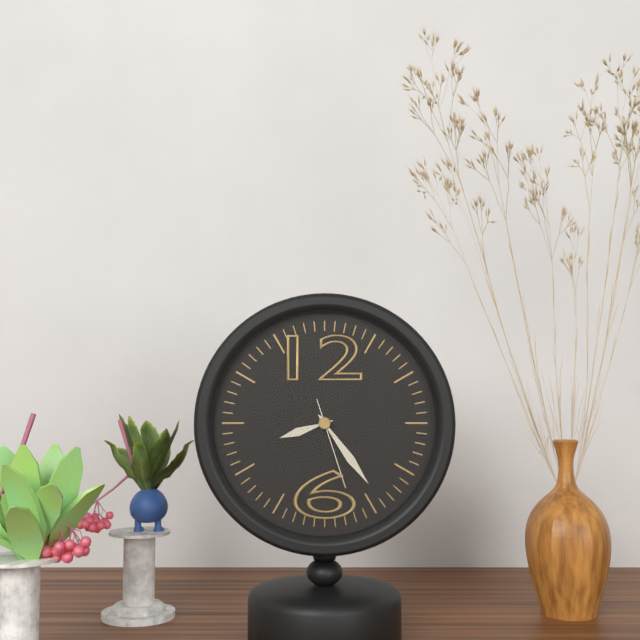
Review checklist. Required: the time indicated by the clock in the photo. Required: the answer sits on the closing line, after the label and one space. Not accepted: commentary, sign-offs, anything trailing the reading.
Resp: 8:24:27
